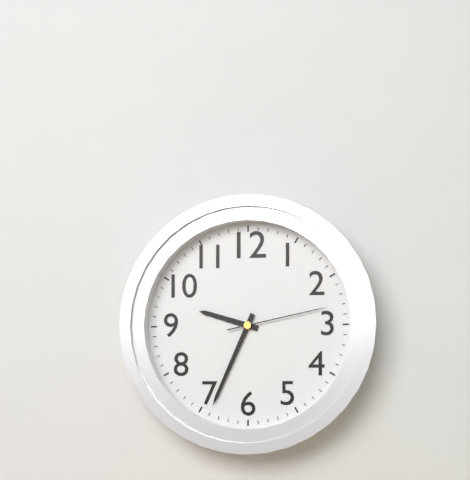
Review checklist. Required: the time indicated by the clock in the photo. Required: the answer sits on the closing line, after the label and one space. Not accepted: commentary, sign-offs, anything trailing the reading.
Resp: 9:34:13
